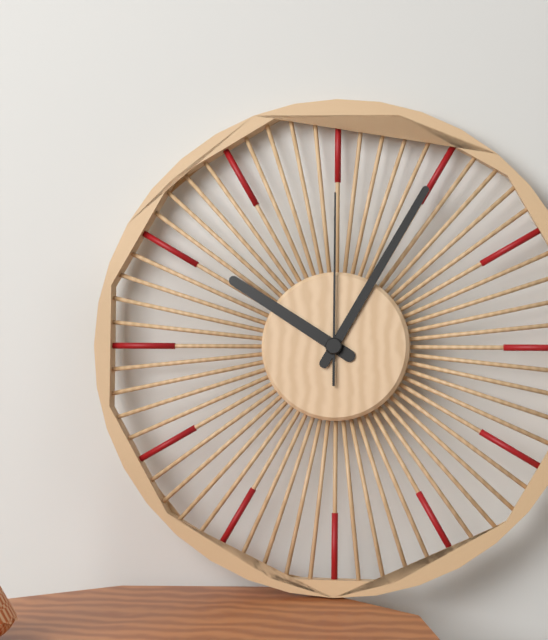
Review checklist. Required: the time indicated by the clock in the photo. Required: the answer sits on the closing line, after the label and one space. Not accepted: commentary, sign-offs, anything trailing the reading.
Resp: 10:05:00
